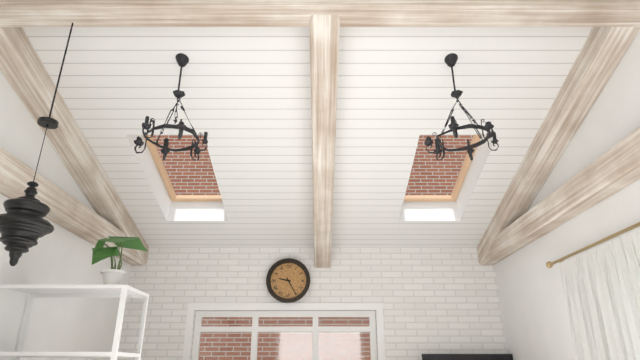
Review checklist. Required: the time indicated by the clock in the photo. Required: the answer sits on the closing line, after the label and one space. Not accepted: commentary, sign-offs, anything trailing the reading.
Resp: 9:25
